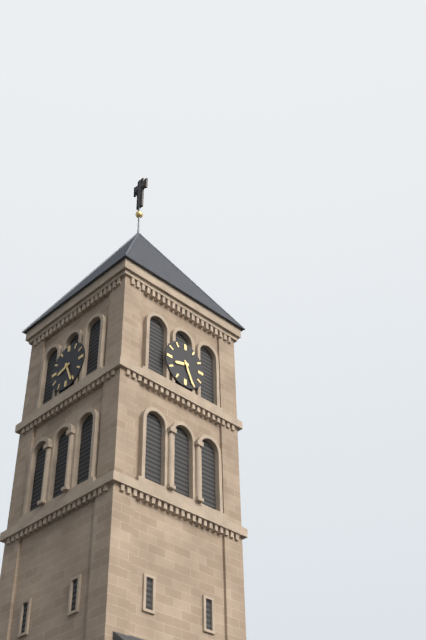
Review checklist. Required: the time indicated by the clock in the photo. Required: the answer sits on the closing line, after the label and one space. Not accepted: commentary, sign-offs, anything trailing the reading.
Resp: 8:26
